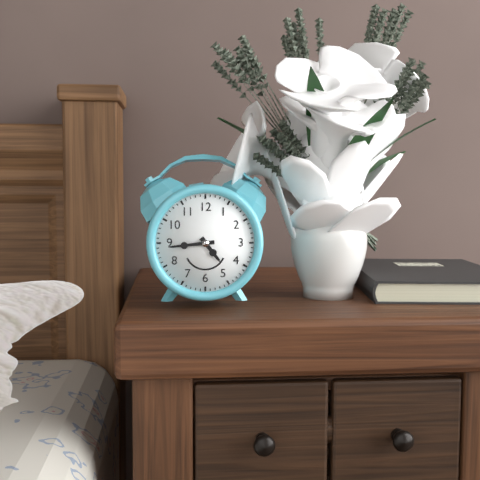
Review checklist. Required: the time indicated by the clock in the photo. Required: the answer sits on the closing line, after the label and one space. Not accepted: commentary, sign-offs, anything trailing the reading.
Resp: 4:44
